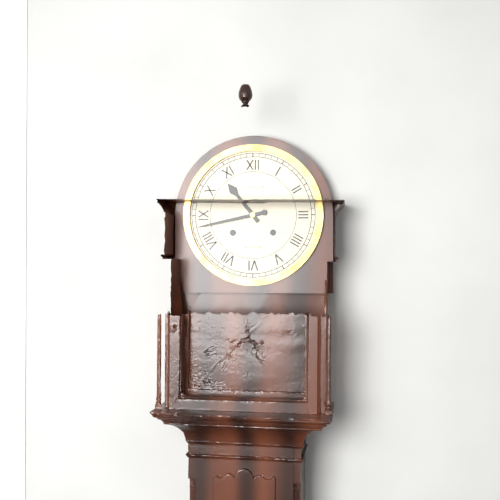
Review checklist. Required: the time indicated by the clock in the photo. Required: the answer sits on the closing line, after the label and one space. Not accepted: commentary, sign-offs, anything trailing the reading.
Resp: 10:43
